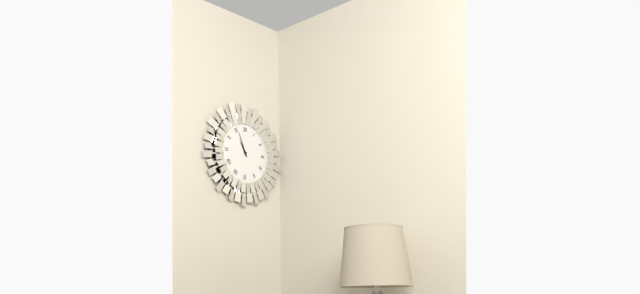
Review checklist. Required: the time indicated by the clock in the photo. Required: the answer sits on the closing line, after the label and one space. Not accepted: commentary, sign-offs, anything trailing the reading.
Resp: 10:56
